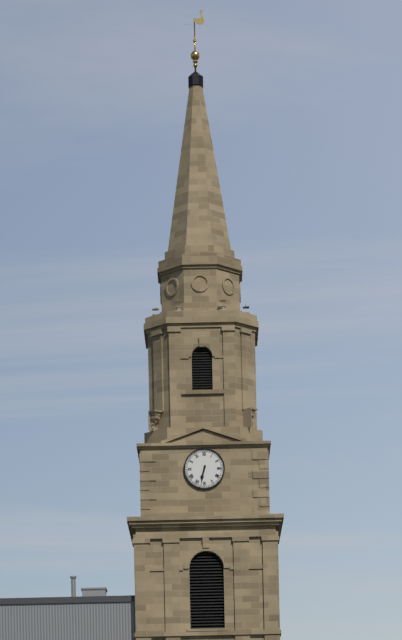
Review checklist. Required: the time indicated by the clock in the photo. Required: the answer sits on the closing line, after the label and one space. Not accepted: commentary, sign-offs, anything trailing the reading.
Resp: 6:32
